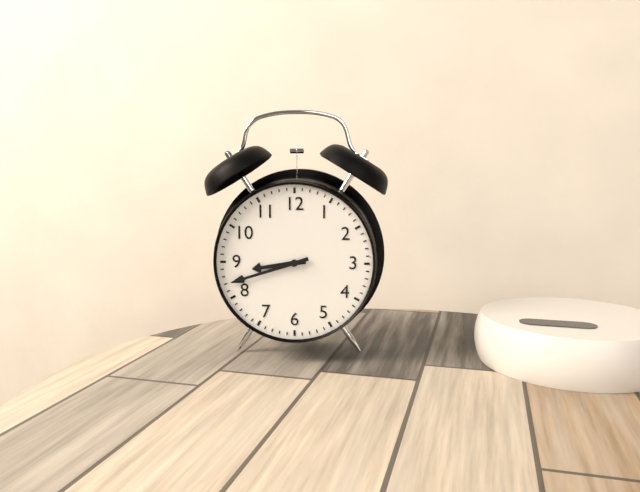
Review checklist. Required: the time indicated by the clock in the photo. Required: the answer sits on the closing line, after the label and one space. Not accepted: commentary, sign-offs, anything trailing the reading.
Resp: 8:42
